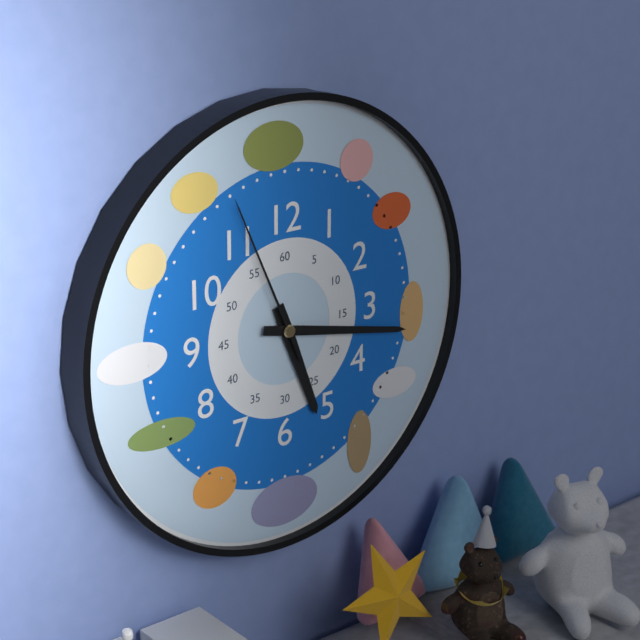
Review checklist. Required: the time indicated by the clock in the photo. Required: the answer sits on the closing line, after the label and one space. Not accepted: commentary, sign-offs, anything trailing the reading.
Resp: 5:17:56
